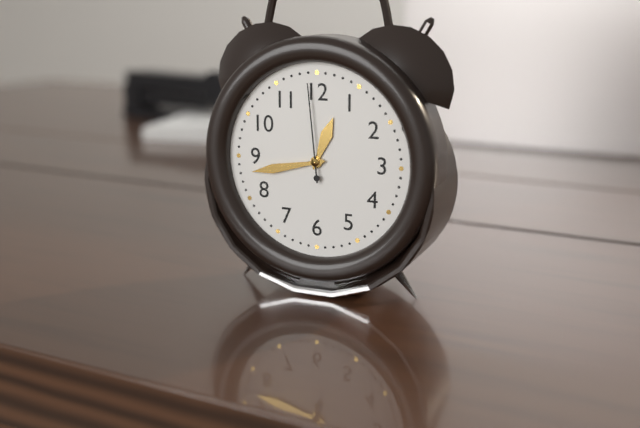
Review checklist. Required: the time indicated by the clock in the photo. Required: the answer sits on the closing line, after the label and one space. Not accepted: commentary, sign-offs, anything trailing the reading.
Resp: 12:43:59
